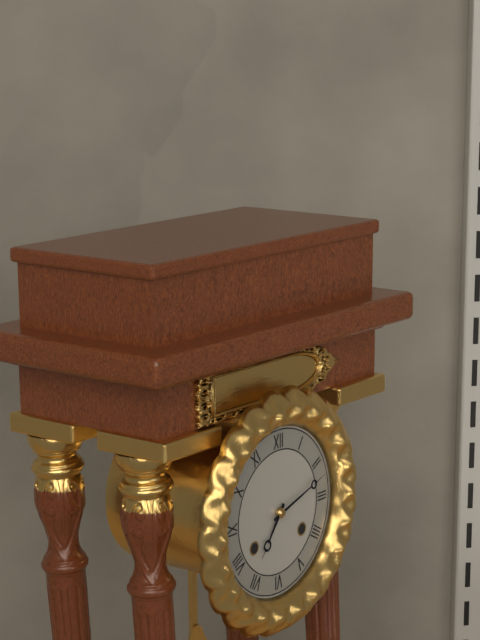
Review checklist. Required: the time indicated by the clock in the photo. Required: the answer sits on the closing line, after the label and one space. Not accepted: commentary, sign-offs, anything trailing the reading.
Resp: 7:12
